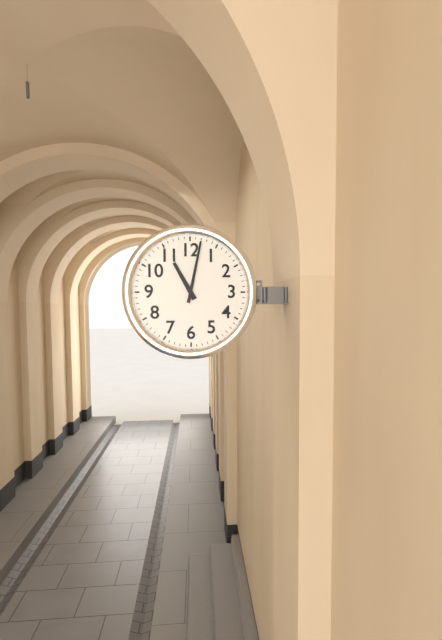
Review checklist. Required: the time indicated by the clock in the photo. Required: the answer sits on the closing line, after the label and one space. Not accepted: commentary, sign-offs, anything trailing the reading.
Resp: 11:02
